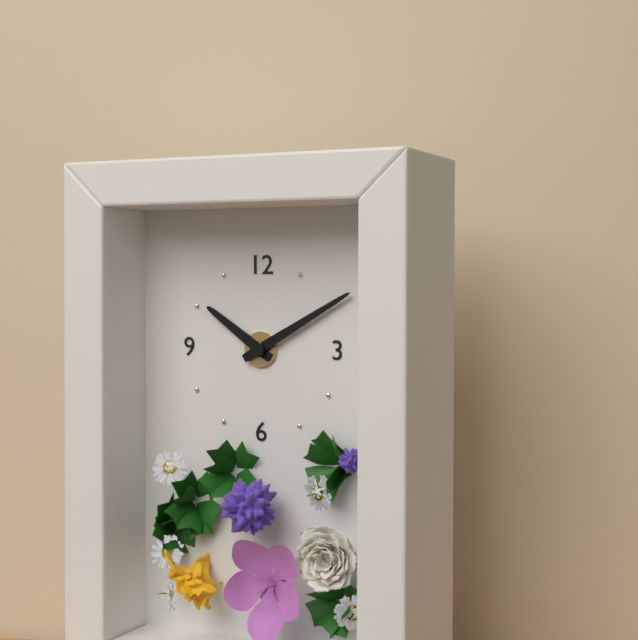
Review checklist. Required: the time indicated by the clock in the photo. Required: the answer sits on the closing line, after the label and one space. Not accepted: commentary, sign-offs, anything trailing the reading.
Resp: 10:10
